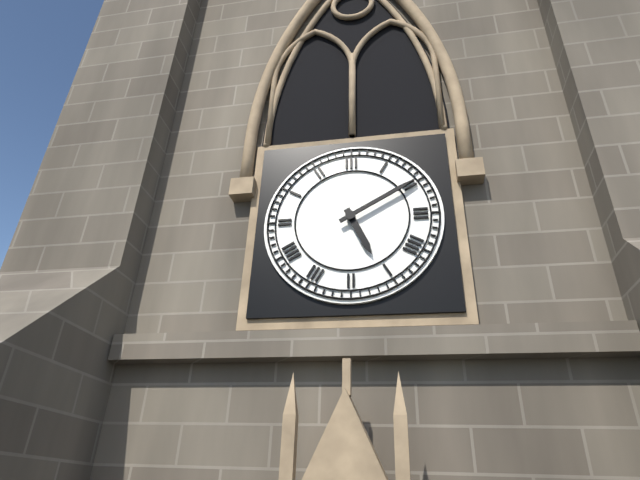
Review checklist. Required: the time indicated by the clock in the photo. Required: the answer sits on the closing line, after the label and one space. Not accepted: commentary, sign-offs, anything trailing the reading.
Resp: 5:10
